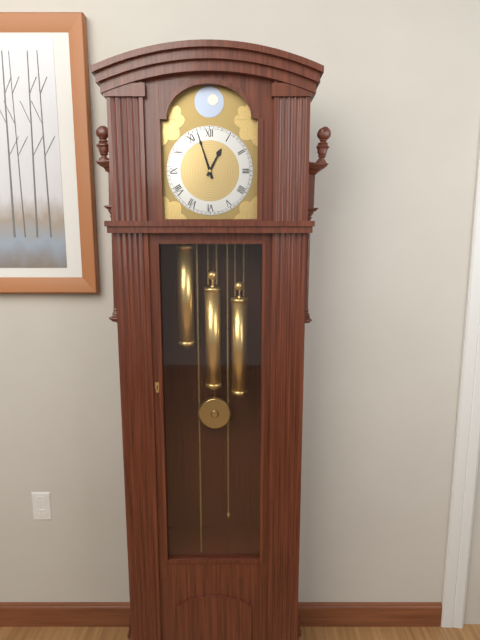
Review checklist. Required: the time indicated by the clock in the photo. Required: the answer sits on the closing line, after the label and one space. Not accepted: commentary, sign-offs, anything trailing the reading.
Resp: 12:57
